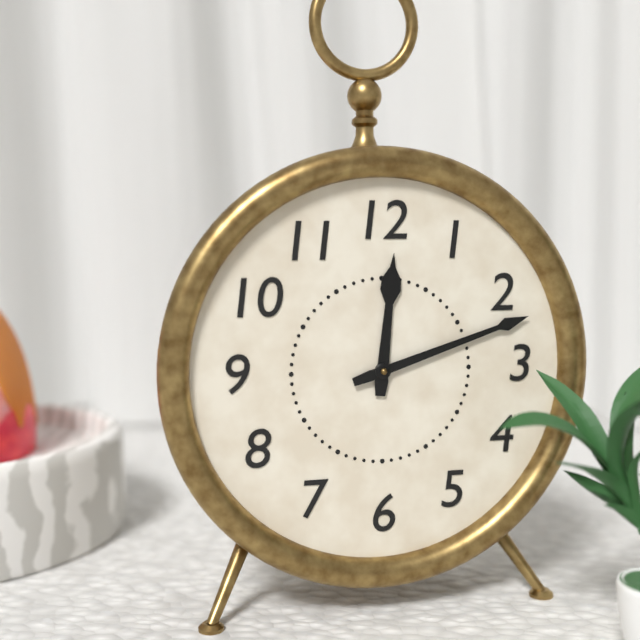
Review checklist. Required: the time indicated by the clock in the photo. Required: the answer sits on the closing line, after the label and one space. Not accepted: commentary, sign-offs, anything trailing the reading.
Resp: 12:12
